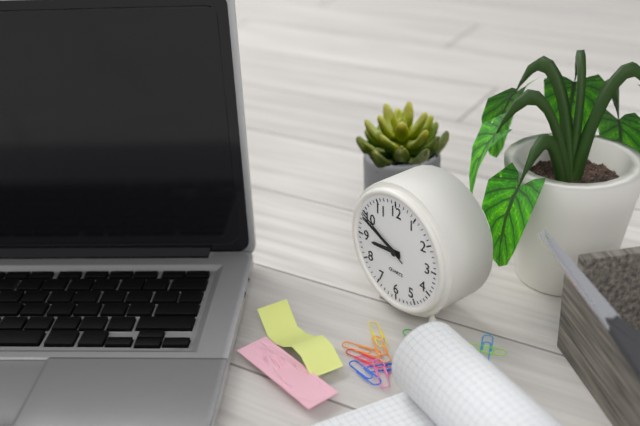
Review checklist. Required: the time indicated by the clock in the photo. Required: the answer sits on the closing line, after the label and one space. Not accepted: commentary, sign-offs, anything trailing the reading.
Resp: 8:49:50
